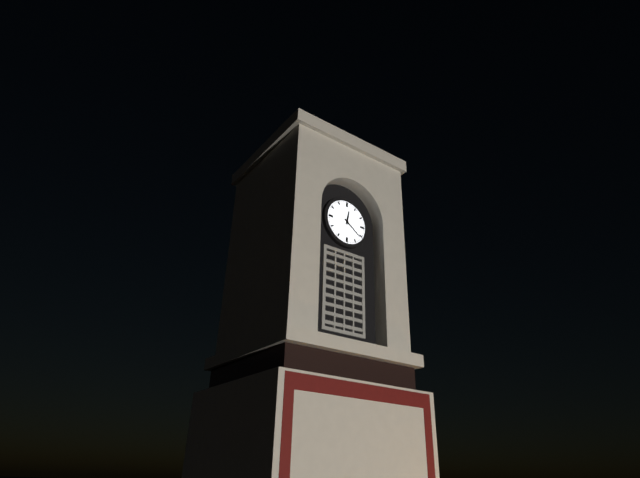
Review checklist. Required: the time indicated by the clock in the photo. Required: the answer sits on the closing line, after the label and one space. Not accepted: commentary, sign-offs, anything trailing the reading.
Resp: 12:21
